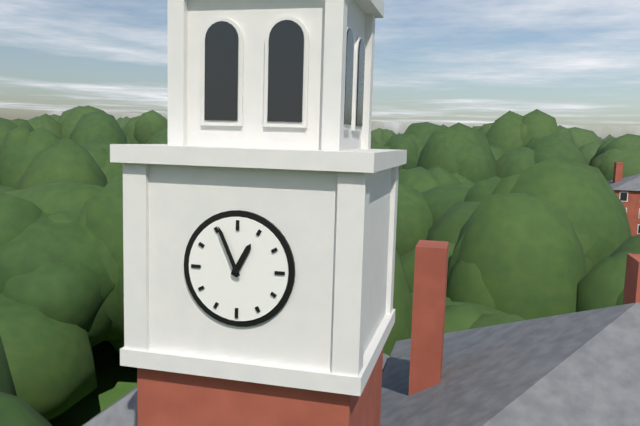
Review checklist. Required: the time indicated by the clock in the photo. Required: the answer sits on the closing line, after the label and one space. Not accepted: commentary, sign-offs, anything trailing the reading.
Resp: 12:56
